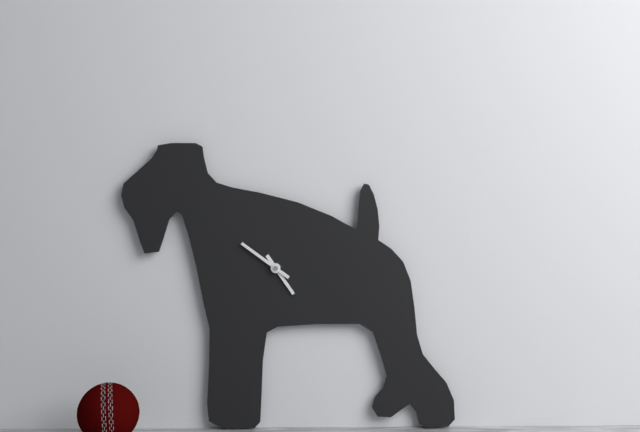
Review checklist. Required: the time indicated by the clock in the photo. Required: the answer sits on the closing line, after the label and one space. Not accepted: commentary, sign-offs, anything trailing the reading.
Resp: 4:51
